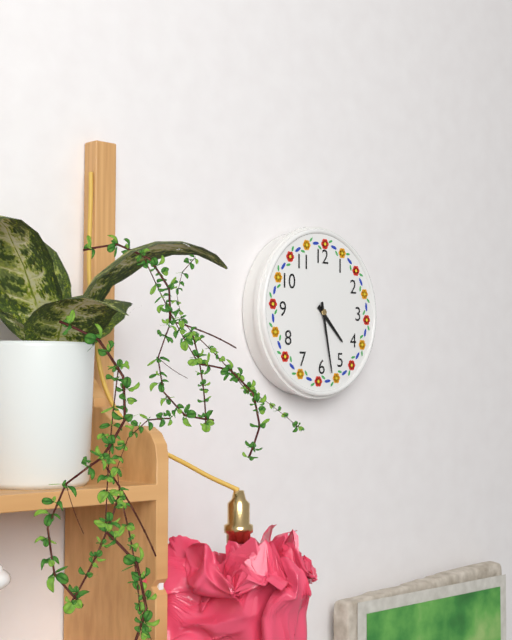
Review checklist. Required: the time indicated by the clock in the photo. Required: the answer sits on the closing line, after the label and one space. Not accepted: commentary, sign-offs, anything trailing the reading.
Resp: 4:28
